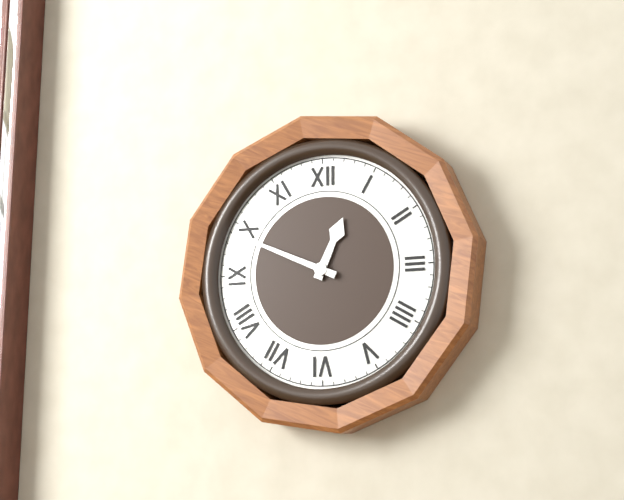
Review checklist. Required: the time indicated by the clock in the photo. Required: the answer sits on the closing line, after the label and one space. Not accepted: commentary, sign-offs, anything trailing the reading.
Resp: 12:49
